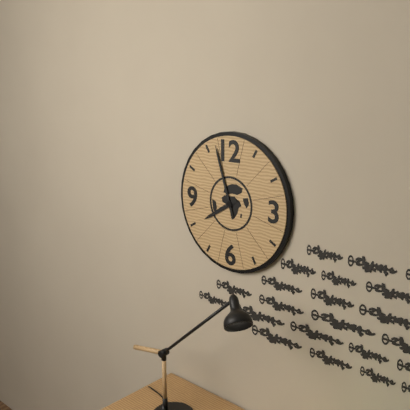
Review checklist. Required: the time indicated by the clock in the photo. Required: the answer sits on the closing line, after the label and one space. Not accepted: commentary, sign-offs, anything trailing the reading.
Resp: 7:57
